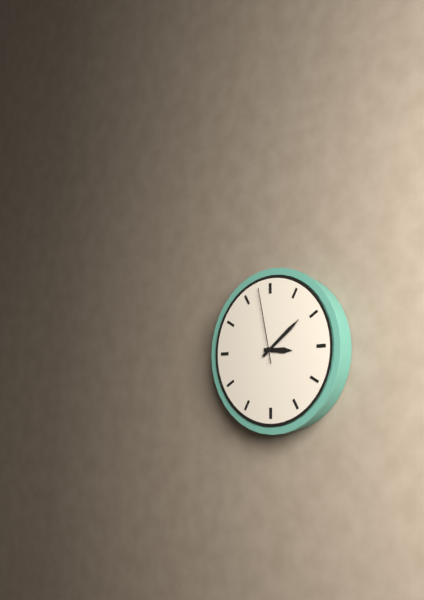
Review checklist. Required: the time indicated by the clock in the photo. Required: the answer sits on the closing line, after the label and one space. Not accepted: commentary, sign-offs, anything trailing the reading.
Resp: 3:09:58
